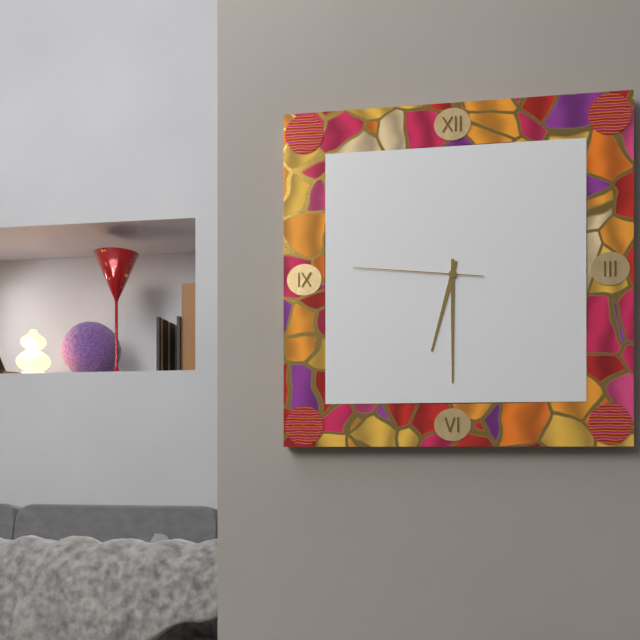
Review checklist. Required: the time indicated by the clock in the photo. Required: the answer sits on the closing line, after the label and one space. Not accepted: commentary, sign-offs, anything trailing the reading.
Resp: 6:30:46
